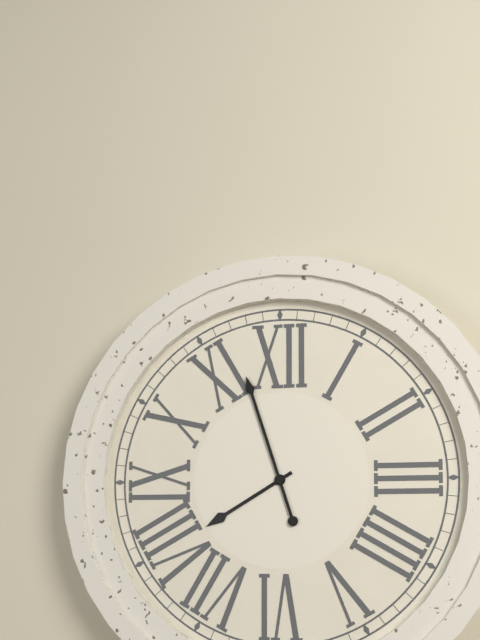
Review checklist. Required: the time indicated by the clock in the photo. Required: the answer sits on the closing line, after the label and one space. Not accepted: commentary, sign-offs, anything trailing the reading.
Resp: 7:57
